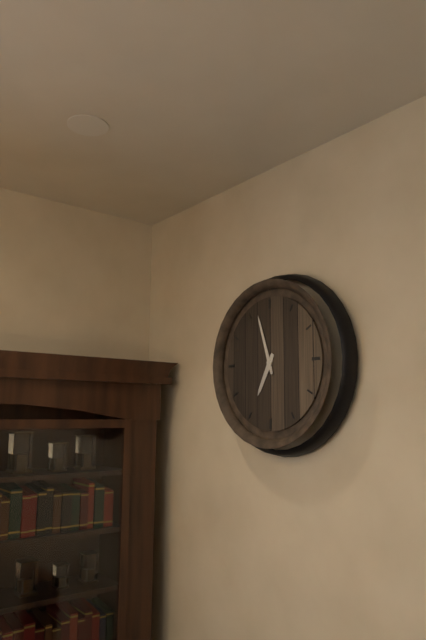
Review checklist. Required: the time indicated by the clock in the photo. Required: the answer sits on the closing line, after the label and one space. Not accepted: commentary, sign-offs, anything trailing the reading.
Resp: 6:57
